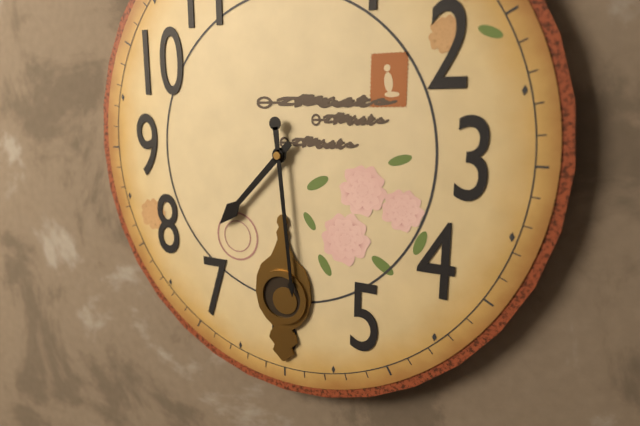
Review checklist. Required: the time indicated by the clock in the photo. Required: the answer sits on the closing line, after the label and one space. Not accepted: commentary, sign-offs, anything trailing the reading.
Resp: 7:29
